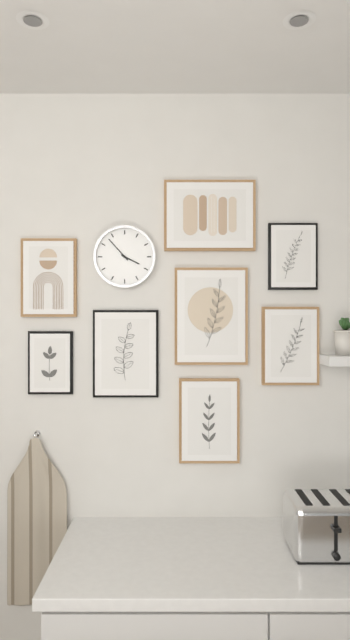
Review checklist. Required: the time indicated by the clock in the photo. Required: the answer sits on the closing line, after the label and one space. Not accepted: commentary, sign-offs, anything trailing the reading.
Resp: 3:53
